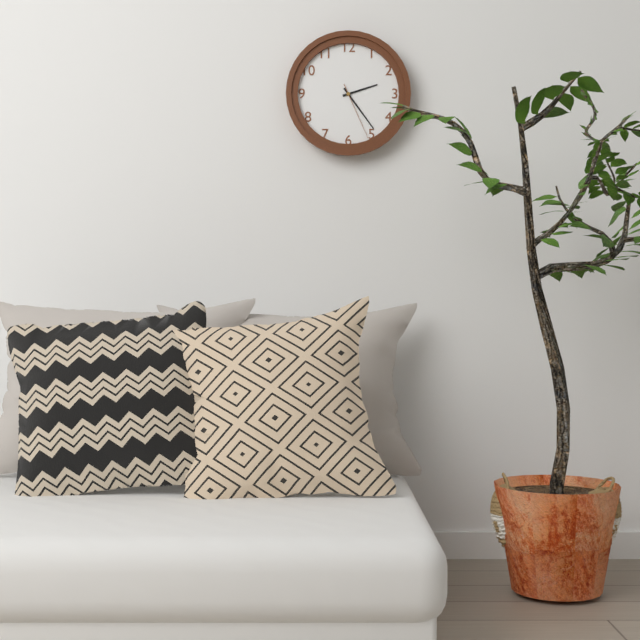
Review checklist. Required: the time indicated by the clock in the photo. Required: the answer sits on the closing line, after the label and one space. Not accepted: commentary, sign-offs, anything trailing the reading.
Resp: 2:24:26
